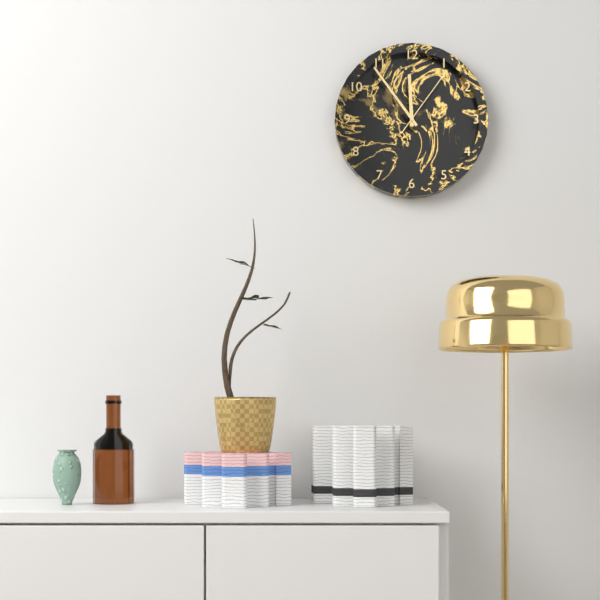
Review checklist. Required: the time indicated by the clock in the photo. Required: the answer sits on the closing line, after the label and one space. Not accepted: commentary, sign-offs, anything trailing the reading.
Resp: 11:54:06
